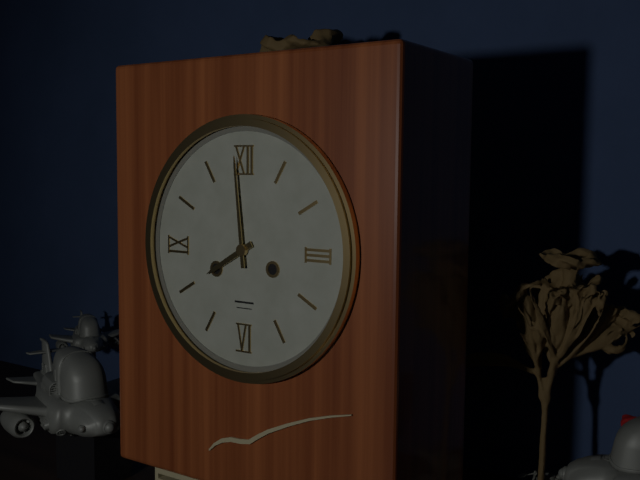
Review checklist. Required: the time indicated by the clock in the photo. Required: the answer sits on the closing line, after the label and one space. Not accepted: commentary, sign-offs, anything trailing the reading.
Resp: 7:59
